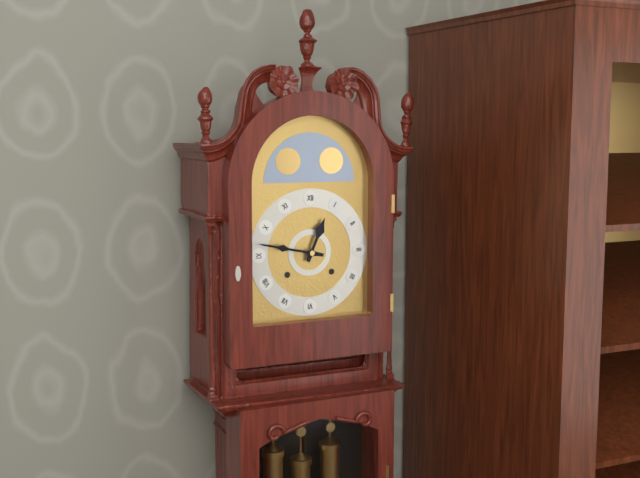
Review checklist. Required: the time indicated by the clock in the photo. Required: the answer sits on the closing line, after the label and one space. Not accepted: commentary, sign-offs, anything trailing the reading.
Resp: 12:47
